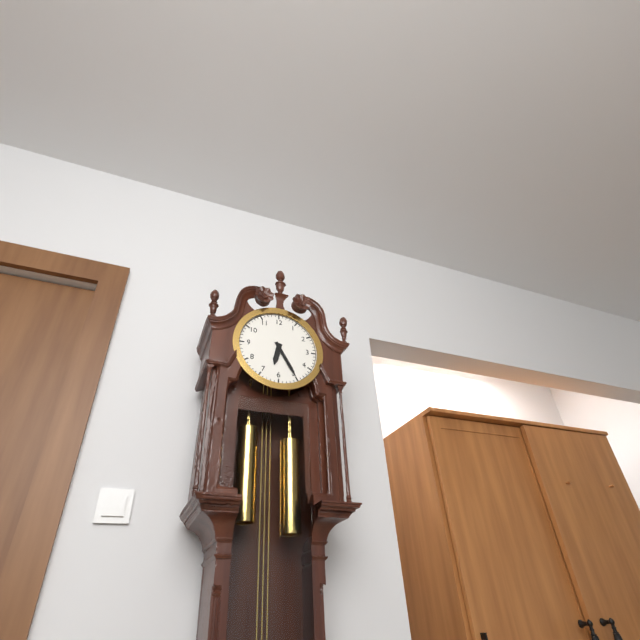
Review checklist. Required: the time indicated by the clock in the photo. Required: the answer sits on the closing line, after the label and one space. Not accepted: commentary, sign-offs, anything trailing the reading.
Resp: 6:25
